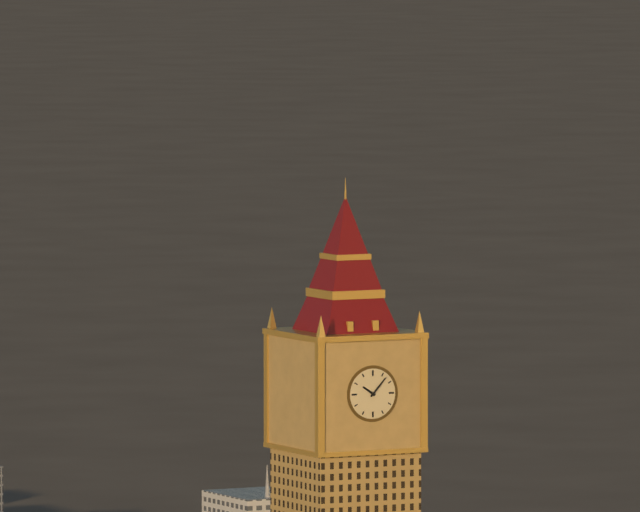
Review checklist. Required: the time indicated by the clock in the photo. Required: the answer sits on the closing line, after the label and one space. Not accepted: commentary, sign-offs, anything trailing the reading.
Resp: 10:07
